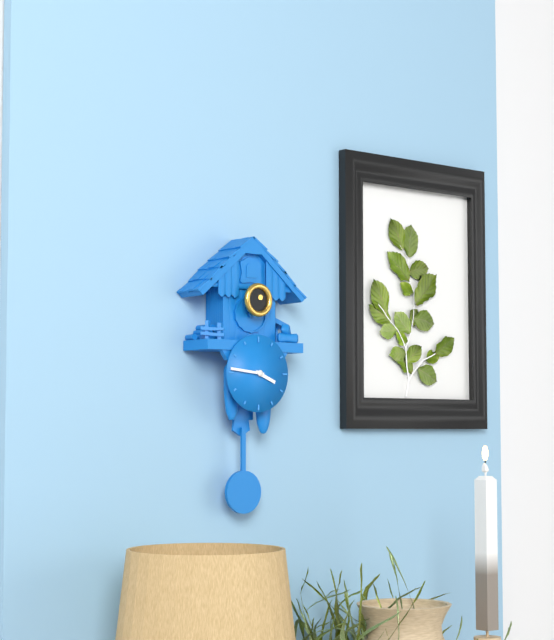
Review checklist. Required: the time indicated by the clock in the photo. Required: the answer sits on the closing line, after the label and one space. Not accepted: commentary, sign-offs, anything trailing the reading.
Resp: 3:46
